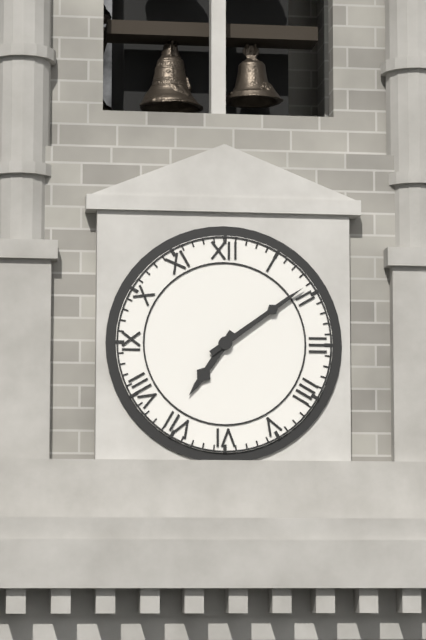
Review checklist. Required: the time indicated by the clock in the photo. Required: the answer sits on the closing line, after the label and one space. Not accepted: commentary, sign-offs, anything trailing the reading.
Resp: 7:09
